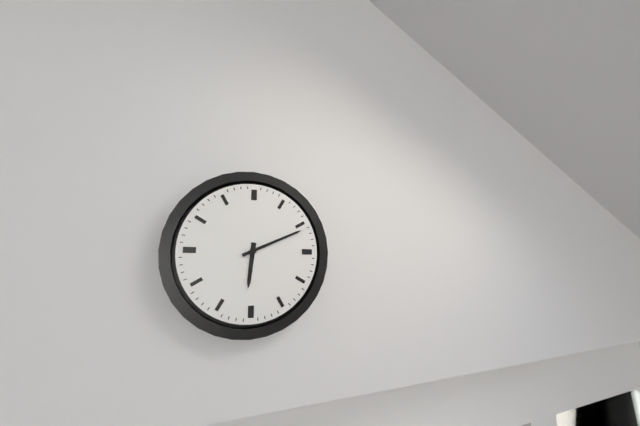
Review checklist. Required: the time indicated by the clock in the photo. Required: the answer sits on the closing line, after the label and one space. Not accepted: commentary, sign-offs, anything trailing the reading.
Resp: 6:11
